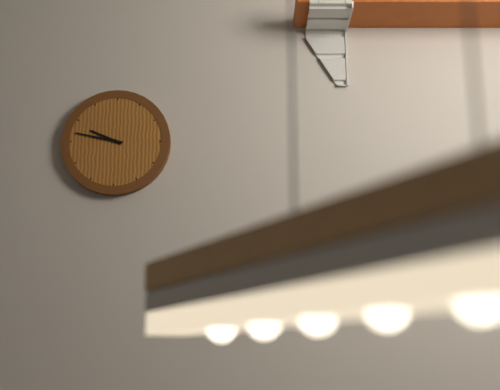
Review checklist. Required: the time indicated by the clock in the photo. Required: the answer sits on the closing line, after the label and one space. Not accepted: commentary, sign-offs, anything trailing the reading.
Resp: 9:47
